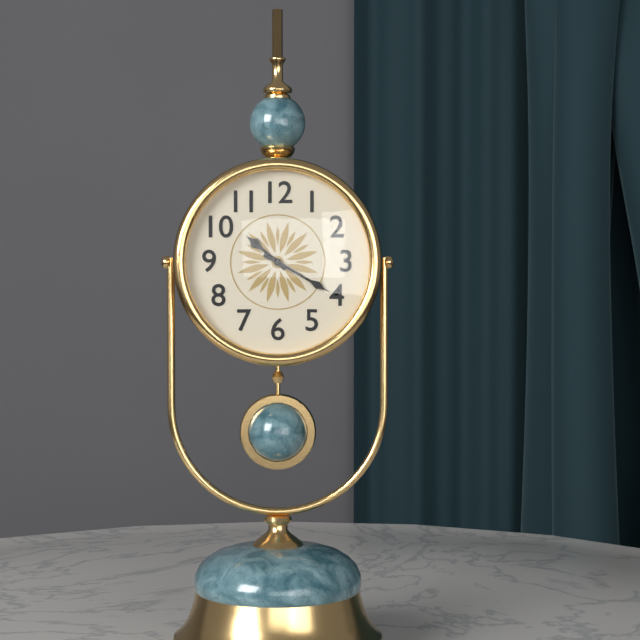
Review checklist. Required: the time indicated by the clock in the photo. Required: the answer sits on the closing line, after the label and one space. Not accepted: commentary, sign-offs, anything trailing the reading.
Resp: 10:20
